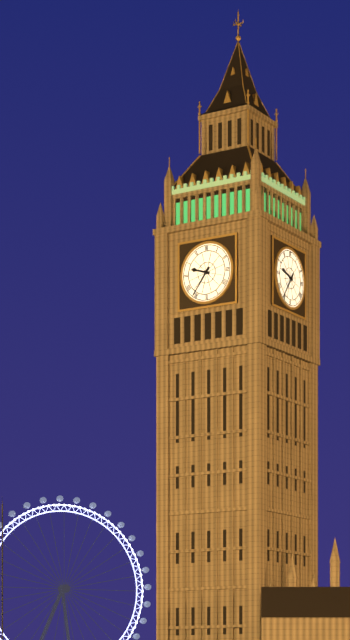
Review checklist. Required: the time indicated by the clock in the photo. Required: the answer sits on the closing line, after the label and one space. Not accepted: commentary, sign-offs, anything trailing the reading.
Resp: 9:36
